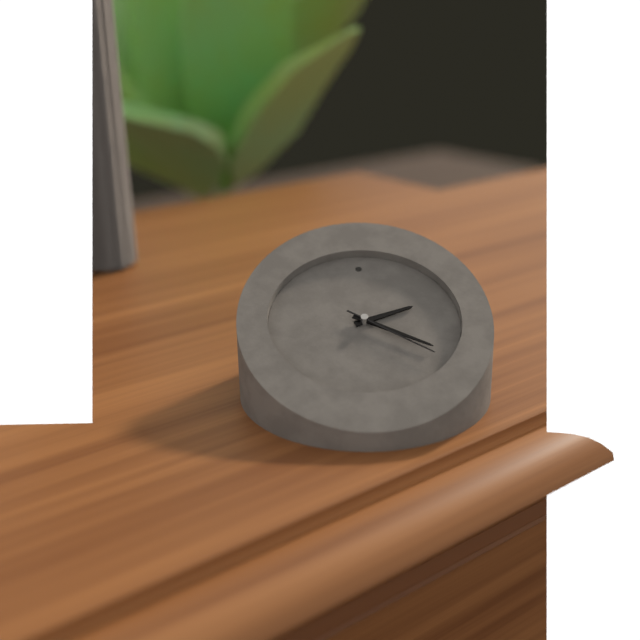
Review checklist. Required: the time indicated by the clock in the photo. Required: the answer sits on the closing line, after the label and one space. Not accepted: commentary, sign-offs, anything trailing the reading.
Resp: 2:20:21
